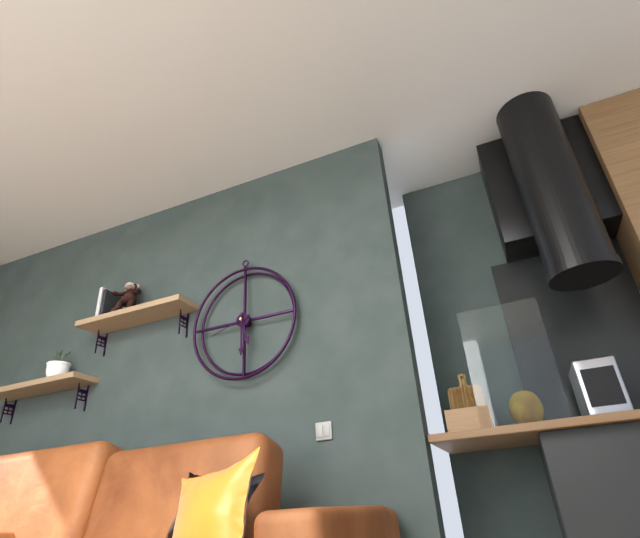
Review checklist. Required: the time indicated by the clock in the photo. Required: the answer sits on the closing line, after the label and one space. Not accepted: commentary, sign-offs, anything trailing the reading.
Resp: 5:30
